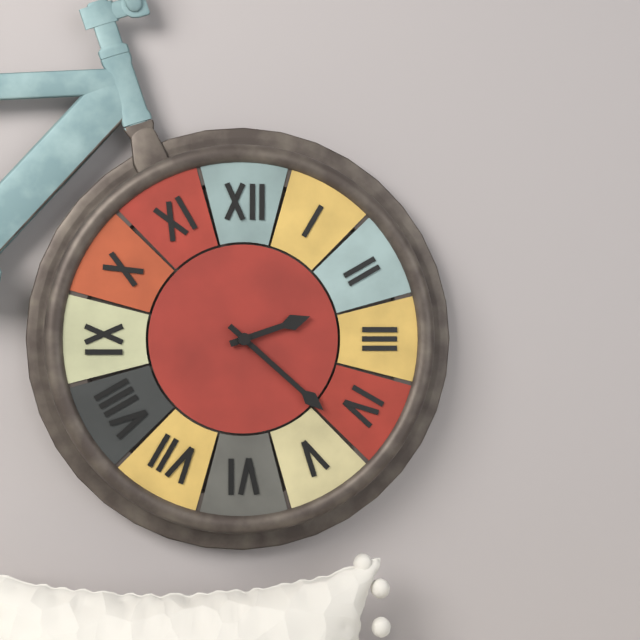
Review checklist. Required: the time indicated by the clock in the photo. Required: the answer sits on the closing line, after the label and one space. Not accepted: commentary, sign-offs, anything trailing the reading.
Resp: 2:22
